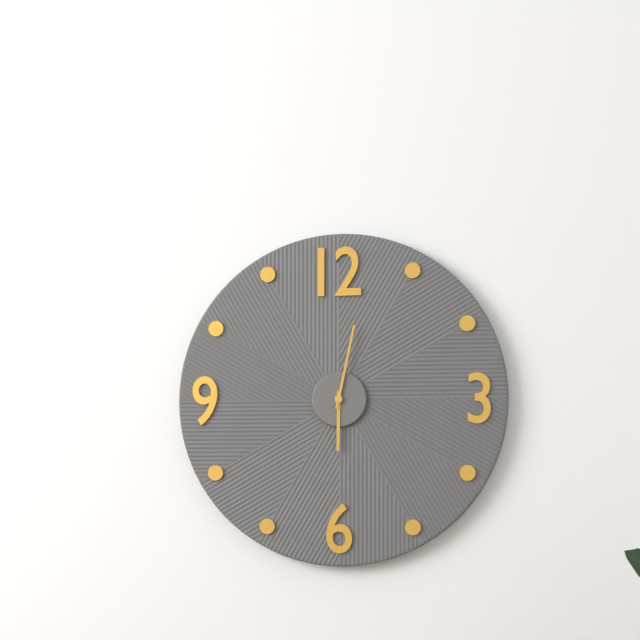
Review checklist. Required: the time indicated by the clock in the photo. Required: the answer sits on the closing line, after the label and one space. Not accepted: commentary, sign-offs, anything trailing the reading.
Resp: 6:02
